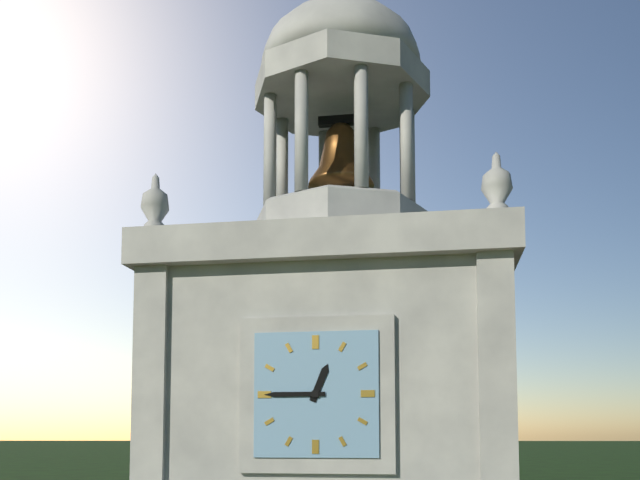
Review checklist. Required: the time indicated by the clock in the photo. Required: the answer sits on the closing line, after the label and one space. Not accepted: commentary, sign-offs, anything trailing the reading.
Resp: 12:45
